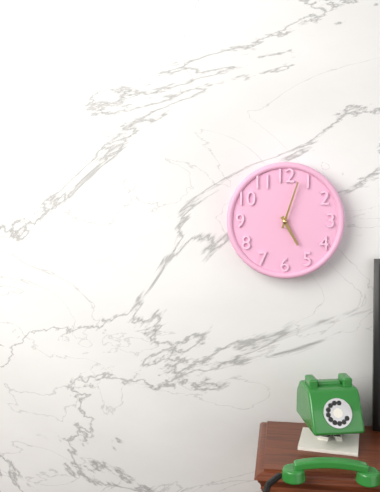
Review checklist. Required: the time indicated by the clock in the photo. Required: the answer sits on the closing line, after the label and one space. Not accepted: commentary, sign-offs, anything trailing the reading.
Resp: 5:03
